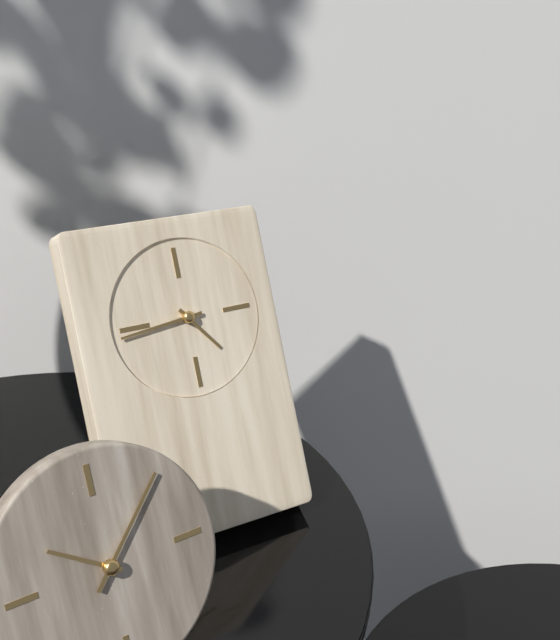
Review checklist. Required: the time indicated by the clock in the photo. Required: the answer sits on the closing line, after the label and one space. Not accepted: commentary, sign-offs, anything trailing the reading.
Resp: 4:44
